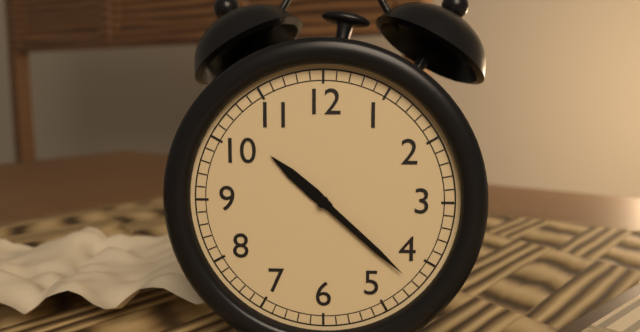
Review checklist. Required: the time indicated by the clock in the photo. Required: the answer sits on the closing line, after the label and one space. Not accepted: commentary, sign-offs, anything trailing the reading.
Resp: 10:22
